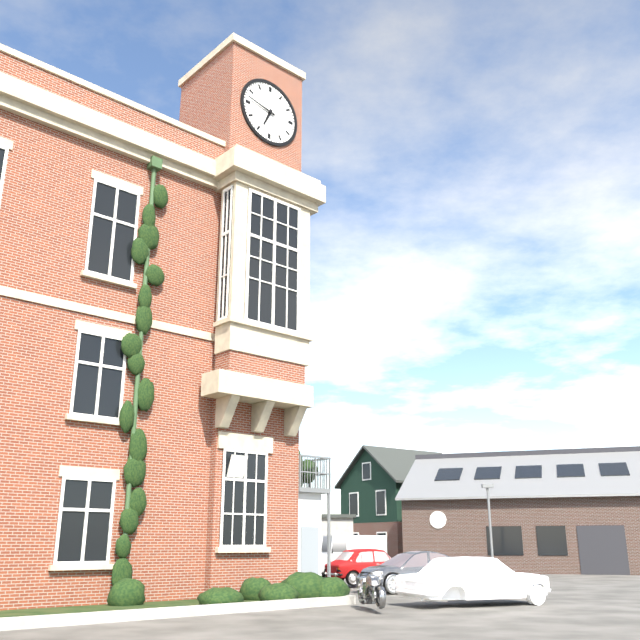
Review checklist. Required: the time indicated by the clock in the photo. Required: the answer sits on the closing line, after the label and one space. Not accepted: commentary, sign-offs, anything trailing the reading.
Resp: 6:47
